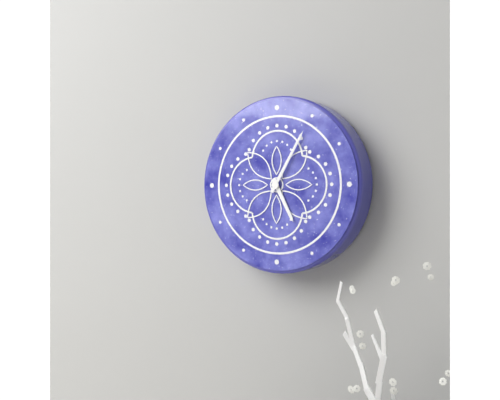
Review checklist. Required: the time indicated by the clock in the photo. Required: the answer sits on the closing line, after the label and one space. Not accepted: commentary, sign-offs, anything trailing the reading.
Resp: 5:05
